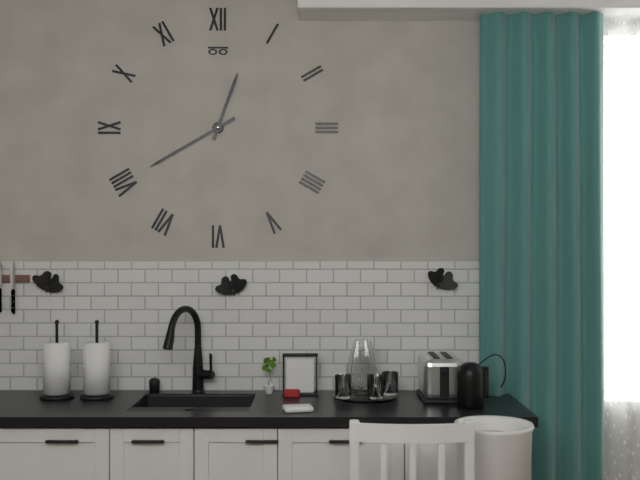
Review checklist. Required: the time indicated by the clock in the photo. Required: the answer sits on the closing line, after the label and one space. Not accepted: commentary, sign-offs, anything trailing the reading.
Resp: 12:40
